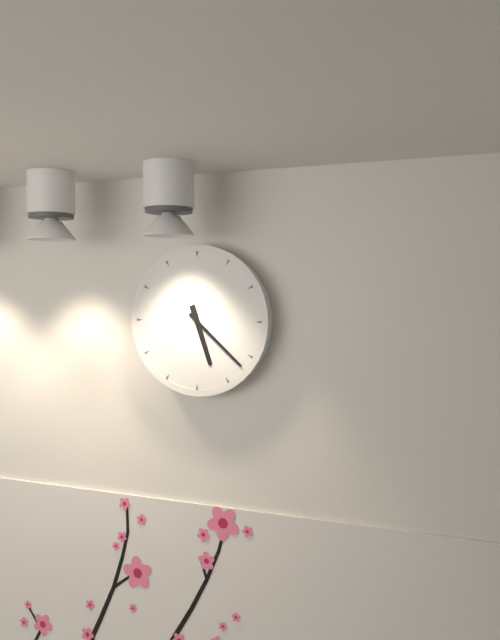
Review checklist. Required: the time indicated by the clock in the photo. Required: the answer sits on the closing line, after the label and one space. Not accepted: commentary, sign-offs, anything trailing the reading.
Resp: 5:22
